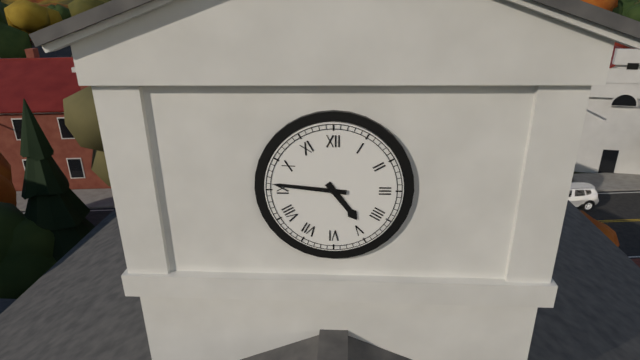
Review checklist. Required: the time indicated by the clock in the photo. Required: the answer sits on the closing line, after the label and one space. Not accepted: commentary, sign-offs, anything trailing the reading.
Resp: 4:46
